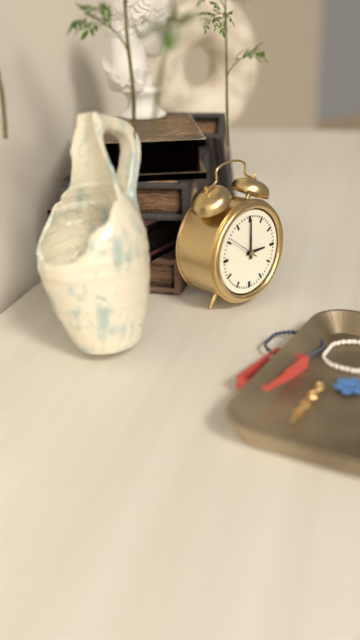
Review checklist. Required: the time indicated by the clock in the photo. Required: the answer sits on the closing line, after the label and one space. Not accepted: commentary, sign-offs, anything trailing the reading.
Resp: 3:00
